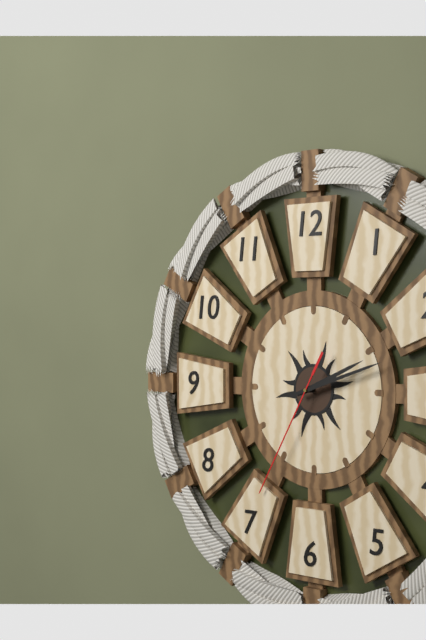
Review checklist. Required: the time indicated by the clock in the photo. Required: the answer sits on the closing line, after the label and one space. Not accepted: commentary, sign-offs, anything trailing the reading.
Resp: 2:12:35
